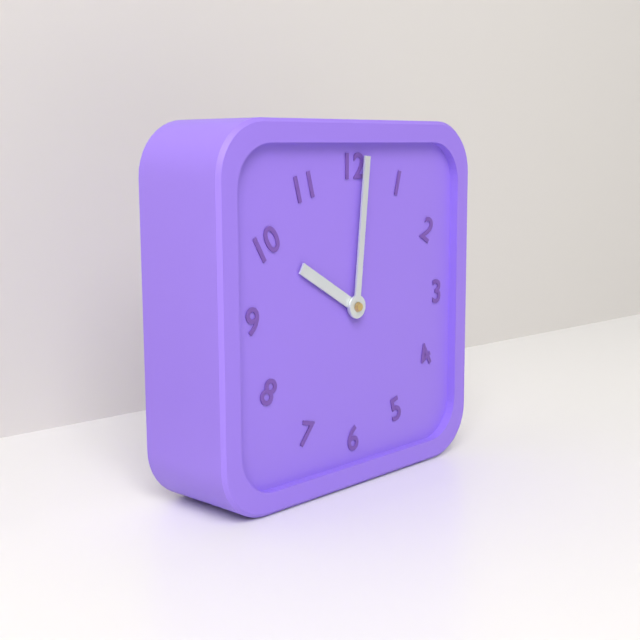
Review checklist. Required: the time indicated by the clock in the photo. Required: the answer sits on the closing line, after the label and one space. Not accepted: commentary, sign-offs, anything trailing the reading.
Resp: 10:01
